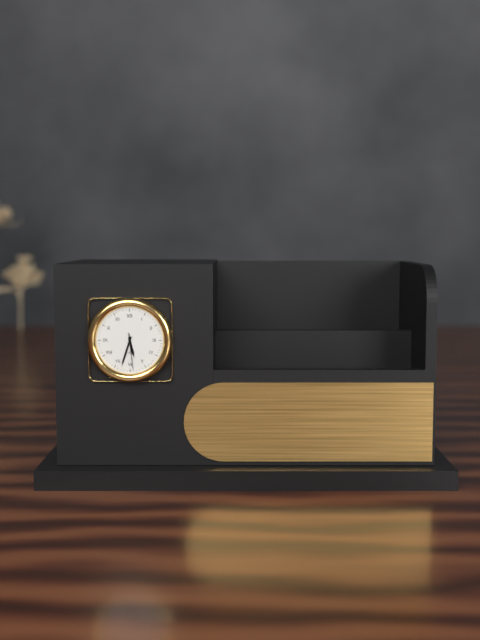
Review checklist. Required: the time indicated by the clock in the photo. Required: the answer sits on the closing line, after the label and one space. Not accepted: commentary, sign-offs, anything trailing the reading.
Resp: 5:33
